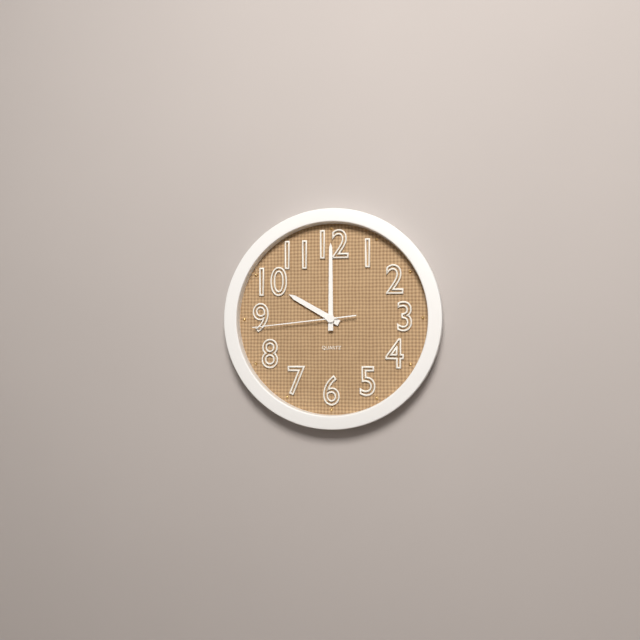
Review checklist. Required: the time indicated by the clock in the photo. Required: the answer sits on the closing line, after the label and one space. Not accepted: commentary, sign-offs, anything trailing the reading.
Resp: 10:00:44
